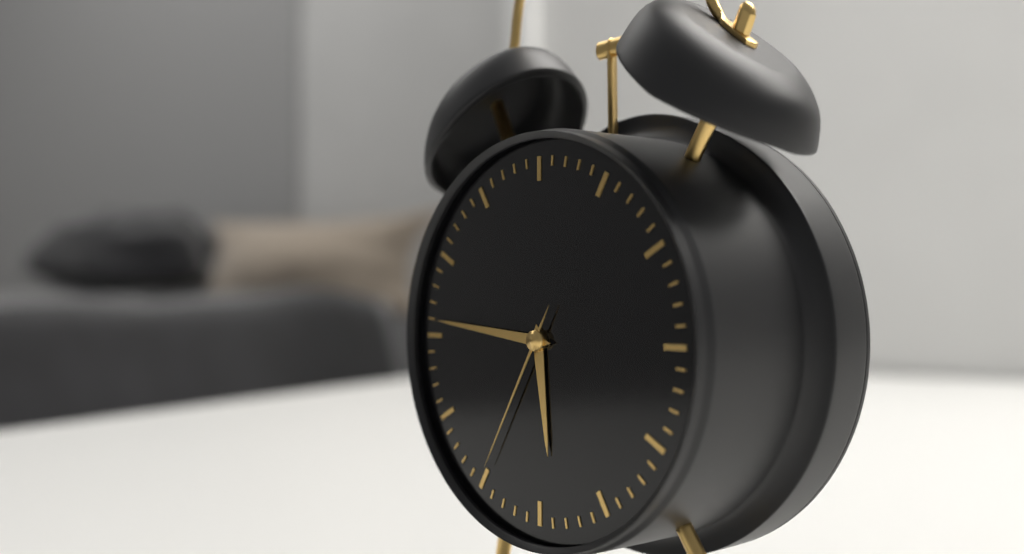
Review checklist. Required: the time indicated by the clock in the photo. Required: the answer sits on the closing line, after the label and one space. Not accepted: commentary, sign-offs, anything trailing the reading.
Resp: 5:46:35
